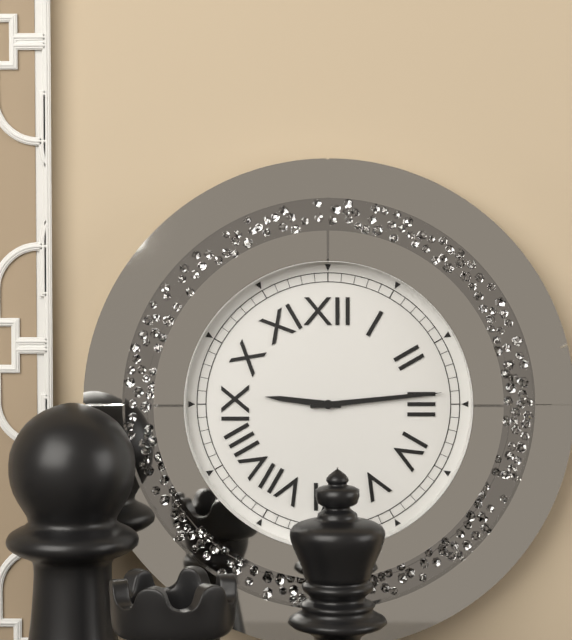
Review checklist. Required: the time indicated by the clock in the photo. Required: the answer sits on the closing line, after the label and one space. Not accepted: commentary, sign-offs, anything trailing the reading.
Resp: 9:14
